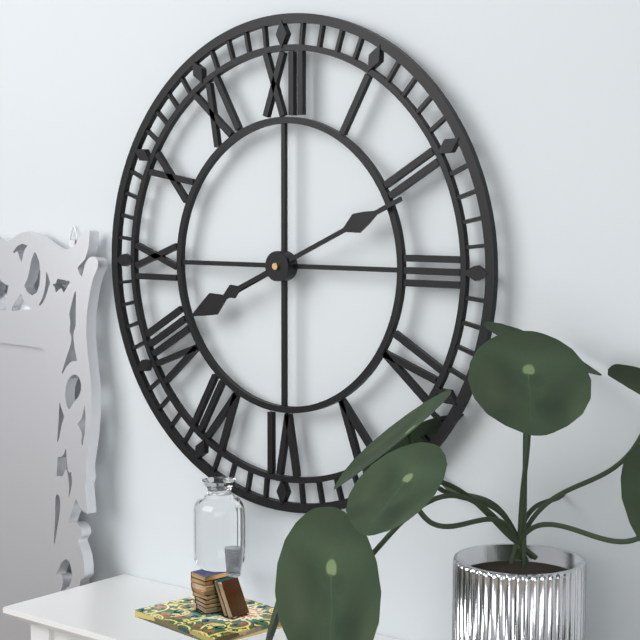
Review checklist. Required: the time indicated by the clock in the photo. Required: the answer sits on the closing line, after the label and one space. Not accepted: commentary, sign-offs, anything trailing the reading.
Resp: 8:11
